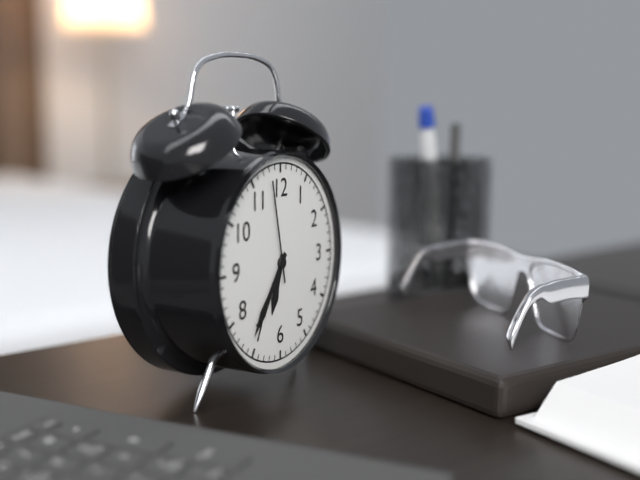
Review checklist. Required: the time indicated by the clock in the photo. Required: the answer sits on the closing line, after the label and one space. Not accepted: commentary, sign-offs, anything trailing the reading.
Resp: 6:36:58
